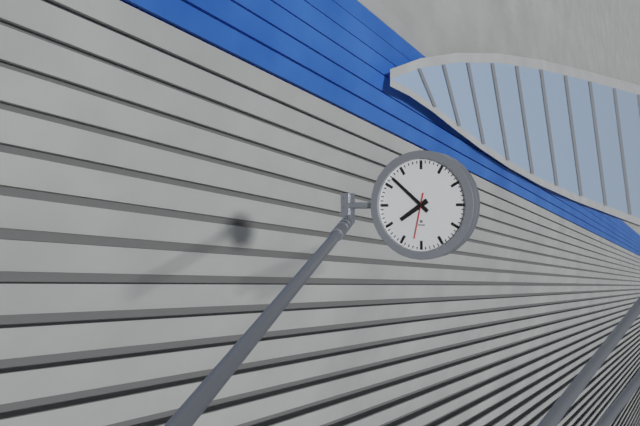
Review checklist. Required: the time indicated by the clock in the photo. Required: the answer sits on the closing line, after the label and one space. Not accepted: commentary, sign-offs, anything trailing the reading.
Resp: 7:52
